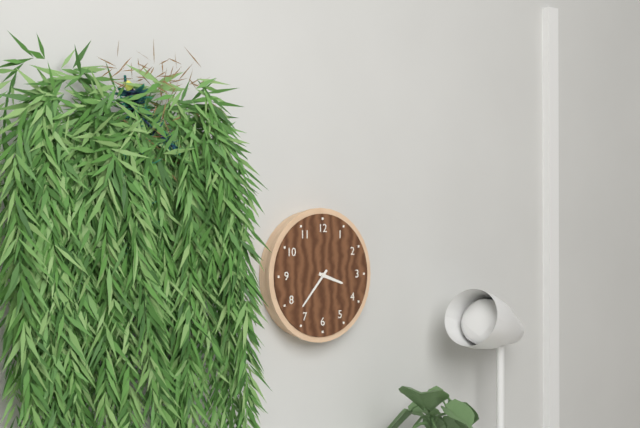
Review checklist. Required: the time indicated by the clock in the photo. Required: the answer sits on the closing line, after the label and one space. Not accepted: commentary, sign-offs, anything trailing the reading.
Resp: 3:37
